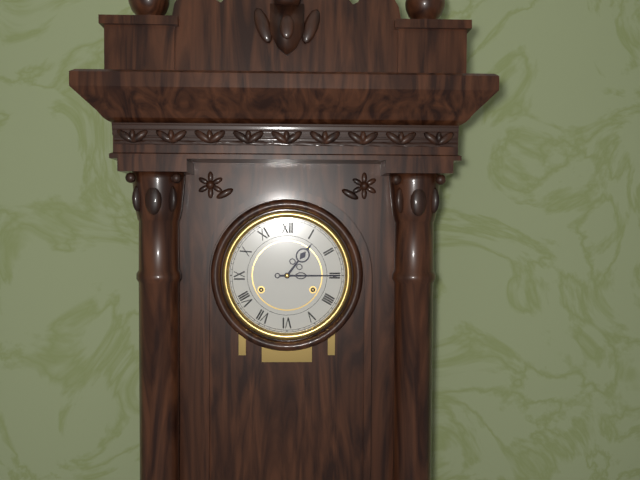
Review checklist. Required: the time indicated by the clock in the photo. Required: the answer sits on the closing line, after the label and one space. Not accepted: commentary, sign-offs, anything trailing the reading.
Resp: 1:15
